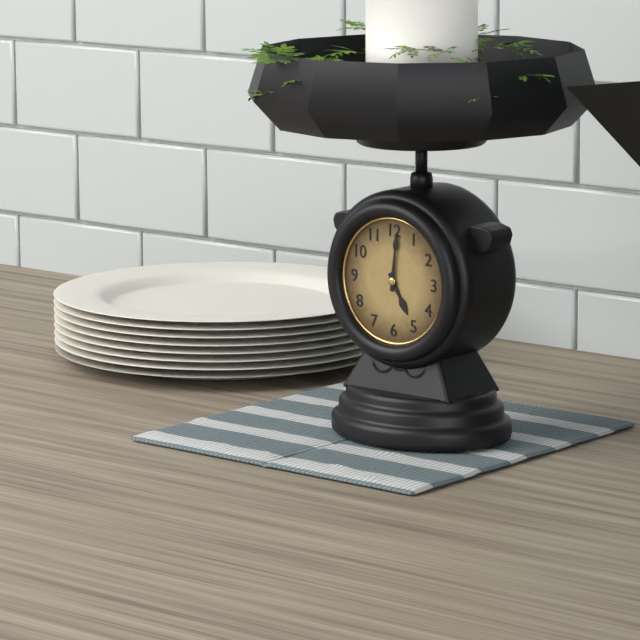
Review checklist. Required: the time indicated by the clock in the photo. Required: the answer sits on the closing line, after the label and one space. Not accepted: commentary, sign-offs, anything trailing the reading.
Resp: 5:01
